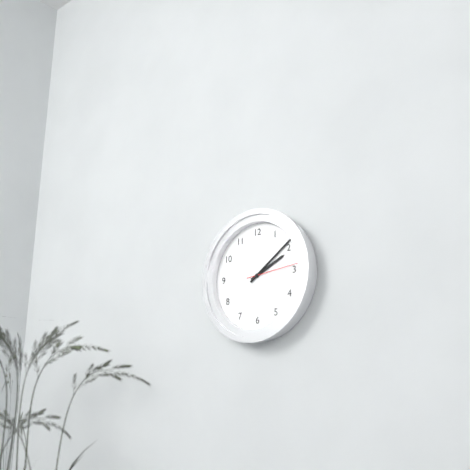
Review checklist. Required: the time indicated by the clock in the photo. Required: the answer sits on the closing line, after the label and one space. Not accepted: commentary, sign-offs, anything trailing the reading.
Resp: 2:09:14
